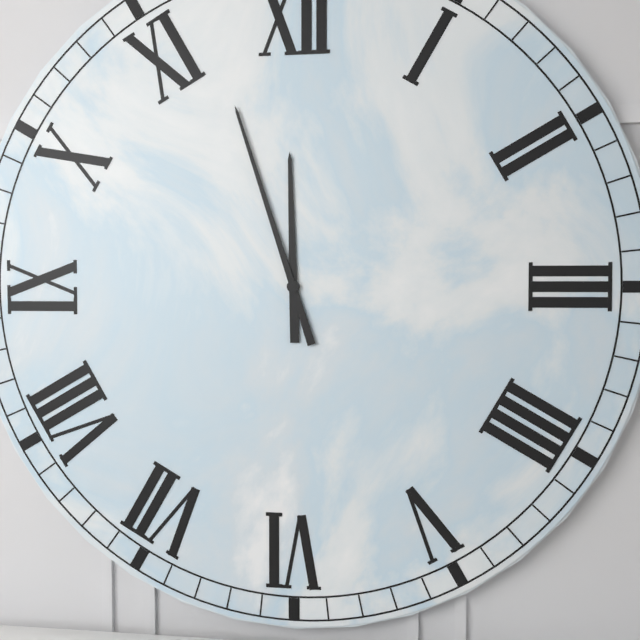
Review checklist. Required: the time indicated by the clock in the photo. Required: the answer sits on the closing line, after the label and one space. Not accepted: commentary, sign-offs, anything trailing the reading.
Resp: 11:57
